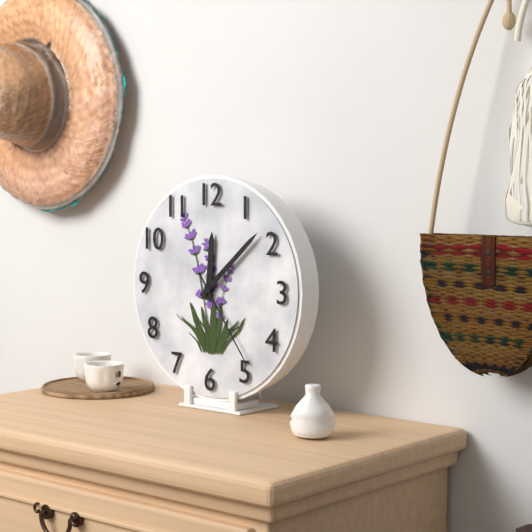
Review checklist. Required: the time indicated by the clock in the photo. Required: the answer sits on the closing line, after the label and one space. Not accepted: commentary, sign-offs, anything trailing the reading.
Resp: 12:08:24
